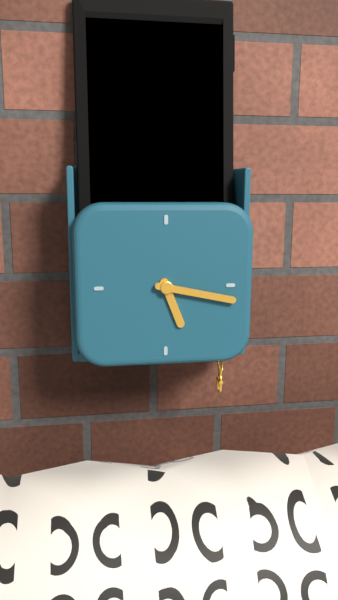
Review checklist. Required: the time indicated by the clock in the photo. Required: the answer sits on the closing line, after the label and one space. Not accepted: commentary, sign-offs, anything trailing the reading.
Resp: 5:17
